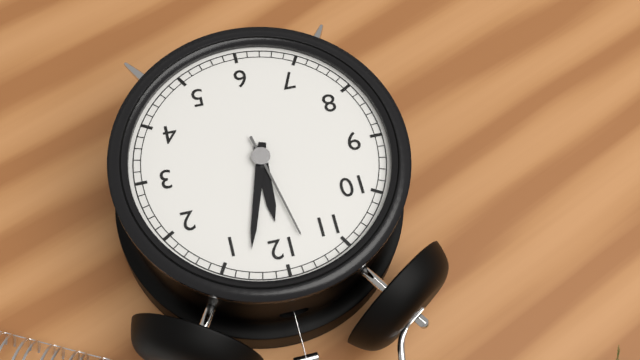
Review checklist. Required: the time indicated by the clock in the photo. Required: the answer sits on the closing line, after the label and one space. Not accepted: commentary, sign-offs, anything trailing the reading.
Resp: 12:03:58
